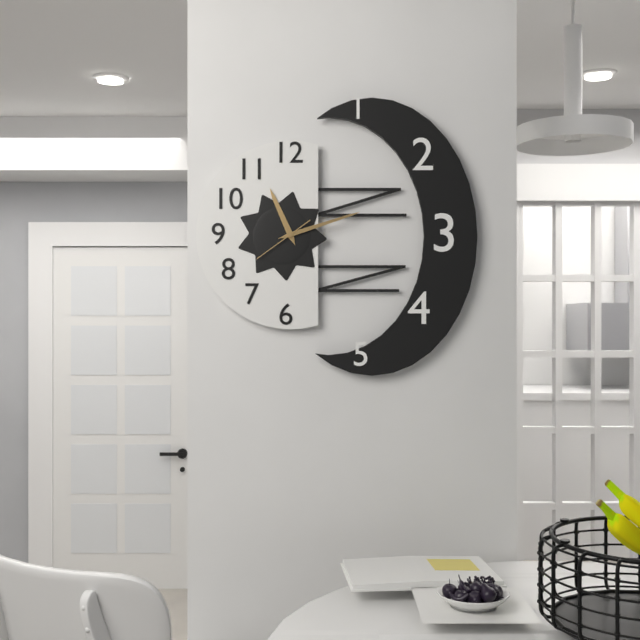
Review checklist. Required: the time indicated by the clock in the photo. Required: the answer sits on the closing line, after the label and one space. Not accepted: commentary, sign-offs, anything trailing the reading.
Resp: 11:12:39
